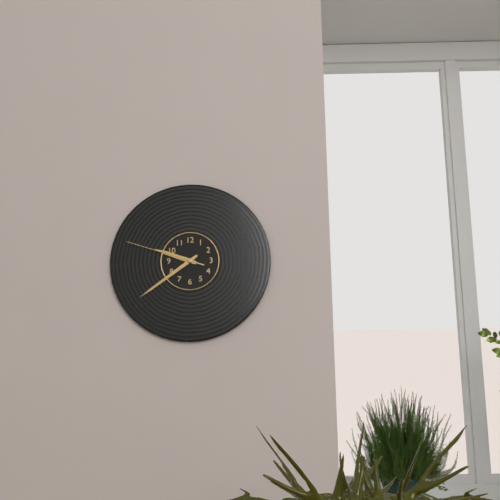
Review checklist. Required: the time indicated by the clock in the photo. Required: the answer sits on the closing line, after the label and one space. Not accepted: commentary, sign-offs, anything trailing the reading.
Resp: 9:39:48
